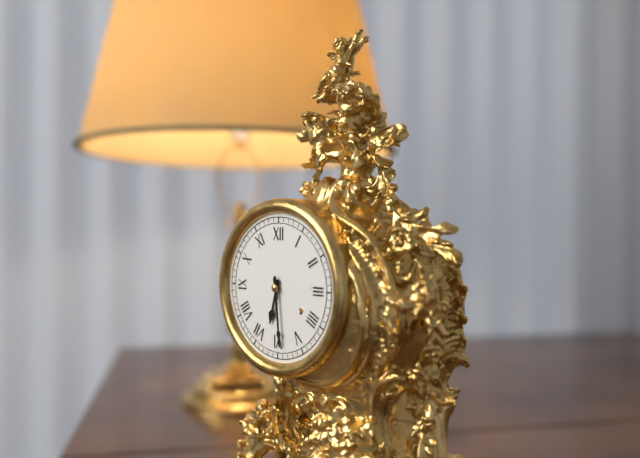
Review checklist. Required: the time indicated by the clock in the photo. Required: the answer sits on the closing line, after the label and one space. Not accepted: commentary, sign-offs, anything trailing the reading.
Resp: 6:29
